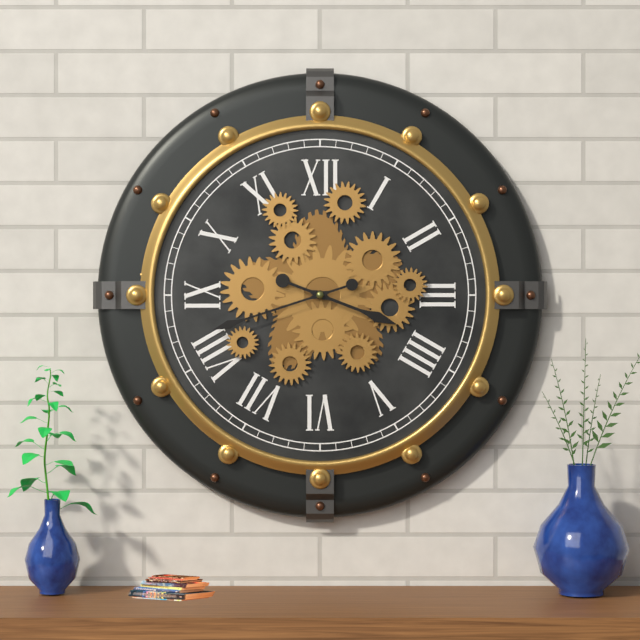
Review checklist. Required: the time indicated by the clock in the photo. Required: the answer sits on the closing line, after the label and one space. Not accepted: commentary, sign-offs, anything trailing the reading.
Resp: 3:42
